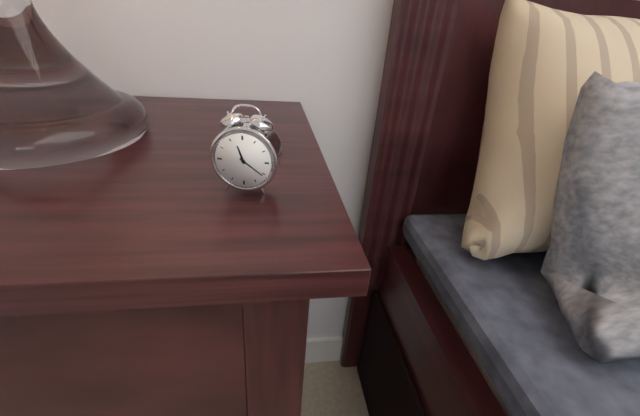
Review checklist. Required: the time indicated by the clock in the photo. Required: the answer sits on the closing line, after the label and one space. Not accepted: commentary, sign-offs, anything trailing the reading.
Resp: 11:21
